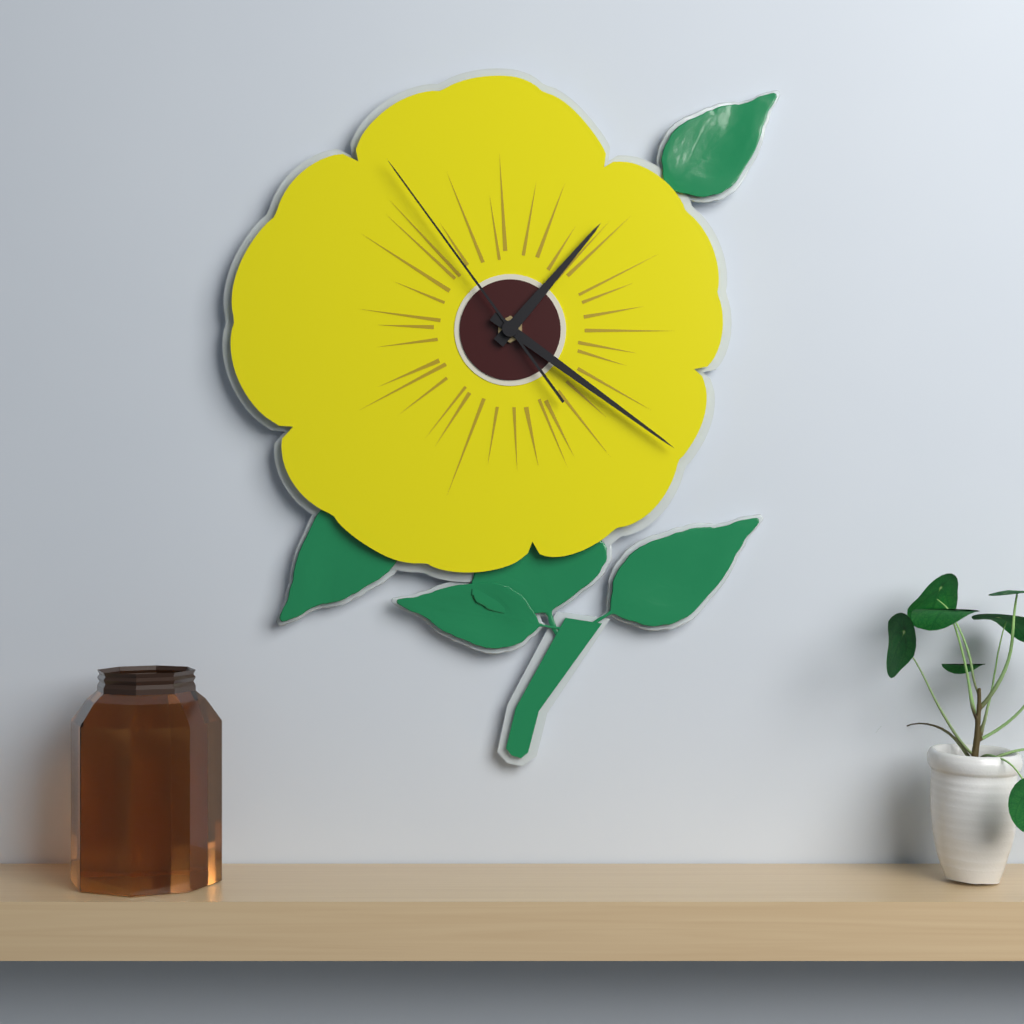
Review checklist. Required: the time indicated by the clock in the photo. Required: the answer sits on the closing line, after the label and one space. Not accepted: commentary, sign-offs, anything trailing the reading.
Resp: 1:21:54
